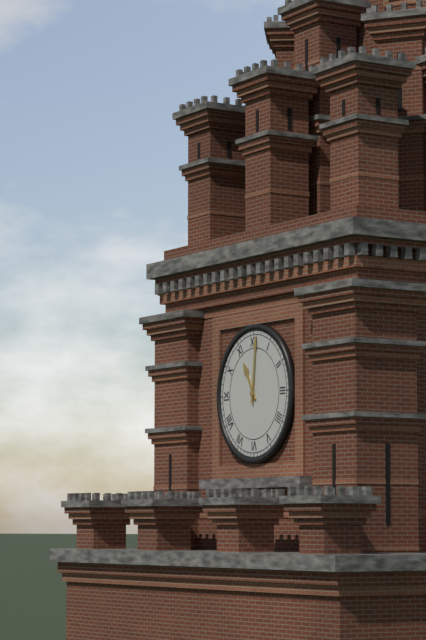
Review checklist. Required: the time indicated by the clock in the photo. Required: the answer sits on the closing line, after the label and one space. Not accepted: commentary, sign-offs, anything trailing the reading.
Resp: 11:01
